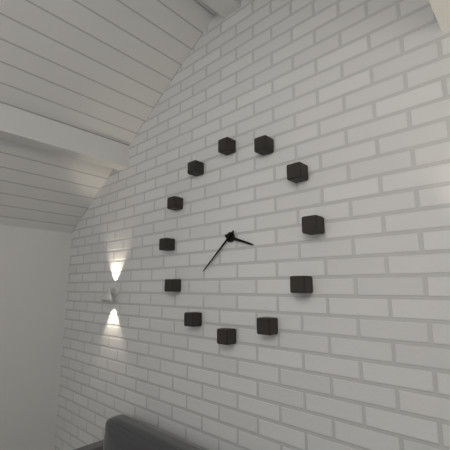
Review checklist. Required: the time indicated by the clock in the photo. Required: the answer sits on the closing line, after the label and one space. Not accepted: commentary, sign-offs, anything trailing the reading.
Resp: 3:38
